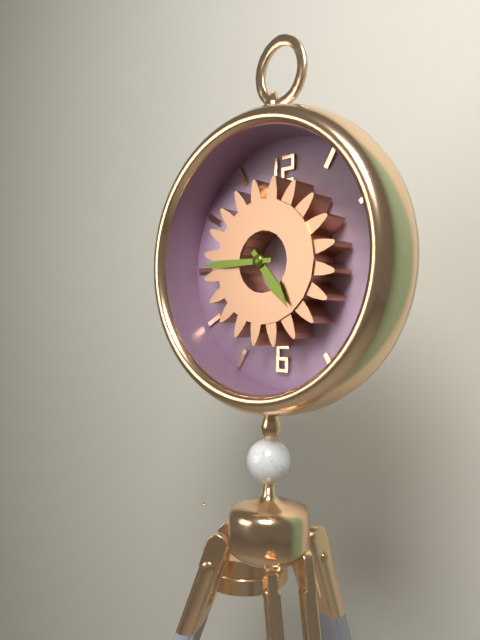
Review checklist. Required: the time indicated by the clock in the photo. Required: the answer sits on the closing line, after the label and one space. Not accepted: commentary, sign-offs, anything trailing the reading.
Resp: 4:45
